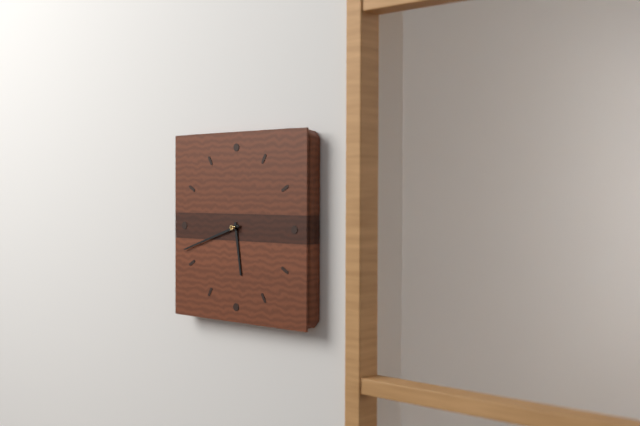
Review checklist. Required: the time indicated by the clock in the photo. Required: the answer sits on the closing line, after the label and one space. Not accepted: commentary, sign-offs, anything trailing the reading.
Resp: 5:42
